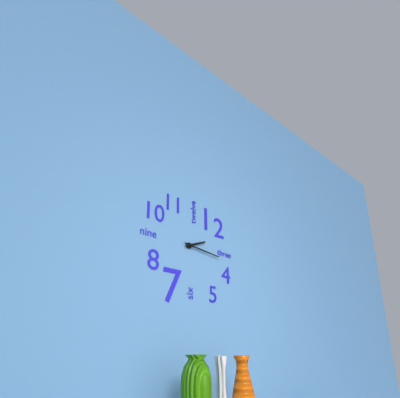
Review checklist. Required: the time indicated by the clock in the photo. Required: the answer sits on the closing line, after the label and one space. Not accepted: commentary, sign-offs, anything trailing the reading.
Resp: 2:16
